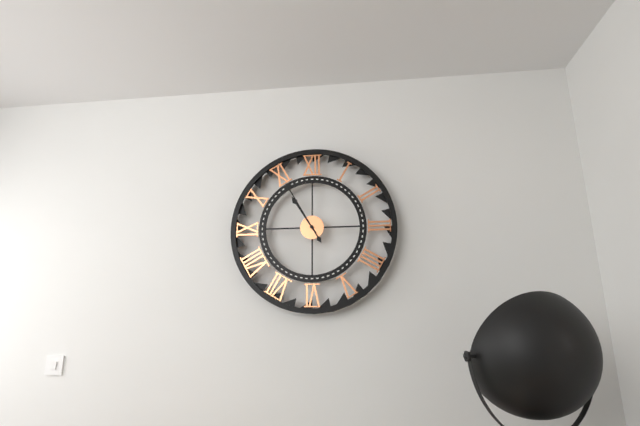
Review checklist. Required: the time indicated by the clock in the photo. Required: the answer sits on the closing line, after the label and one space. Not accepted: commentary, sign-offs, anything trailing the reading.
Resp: 10:55
